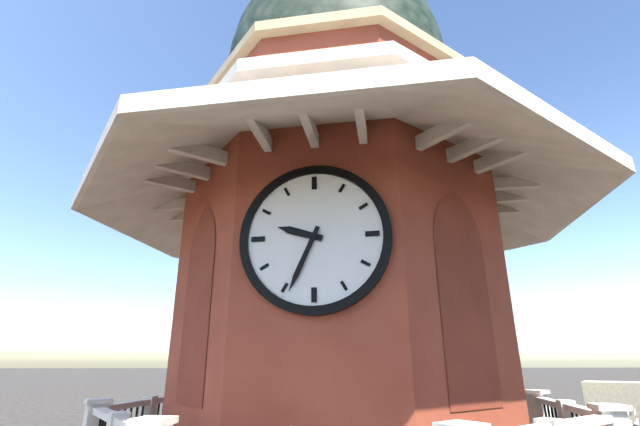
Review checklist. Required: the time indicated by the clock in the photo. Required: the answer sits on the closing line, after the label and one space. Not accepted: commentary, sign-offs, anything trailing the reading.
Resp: 9:34
